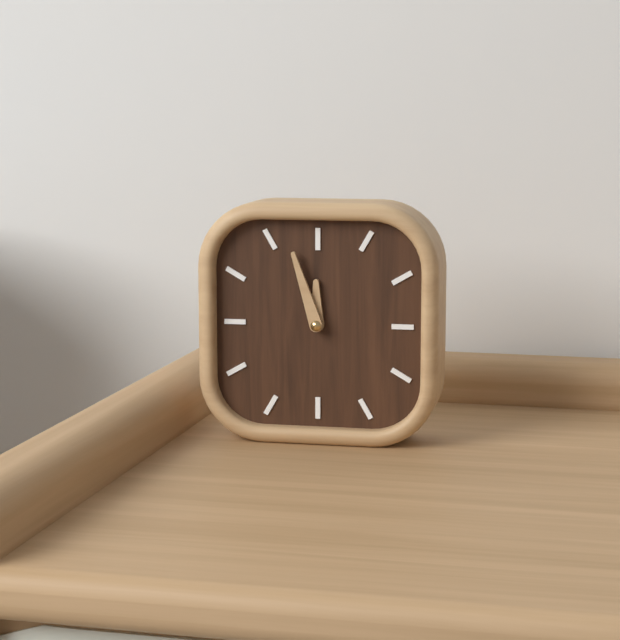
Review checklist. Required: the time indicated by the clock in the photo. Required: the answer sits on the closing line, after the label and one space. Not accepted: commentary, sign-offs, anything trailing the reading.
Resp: 11:57
